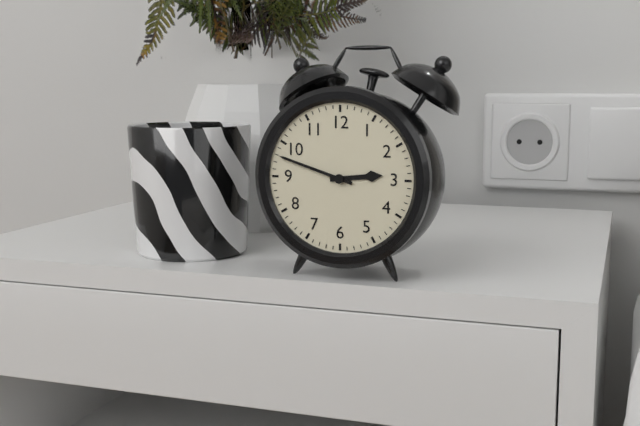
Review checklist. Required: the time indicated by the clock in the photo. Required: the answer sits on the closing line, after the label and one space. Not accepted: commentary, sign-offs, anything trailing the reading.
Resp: 2:48
